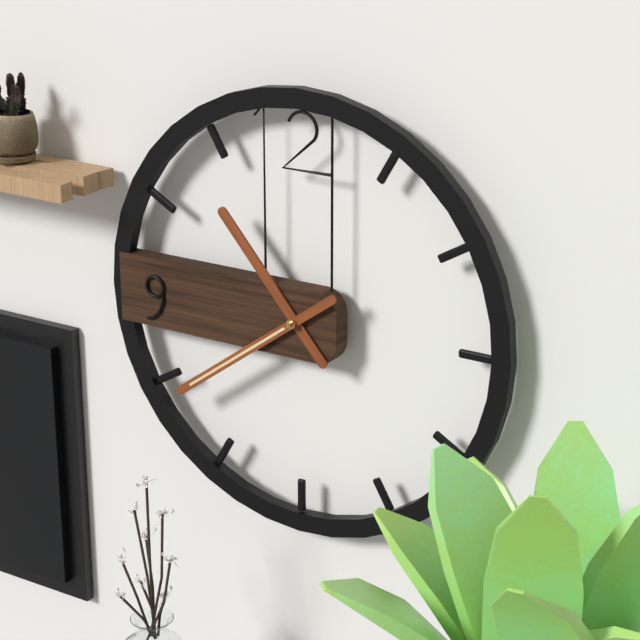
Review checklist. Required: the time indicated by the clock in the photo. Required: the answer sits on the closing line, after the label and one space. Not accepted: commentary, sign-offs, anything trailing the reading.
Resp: 10:39
